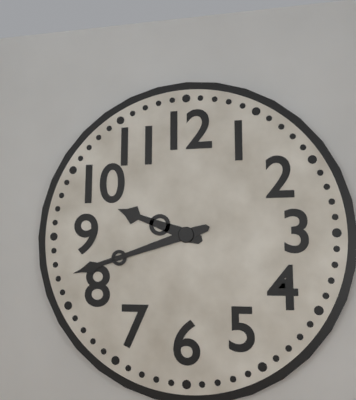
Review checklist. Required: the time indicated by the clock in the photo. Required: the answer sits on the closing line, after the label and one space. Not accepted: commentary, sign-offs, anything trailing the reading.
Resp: 9:42
